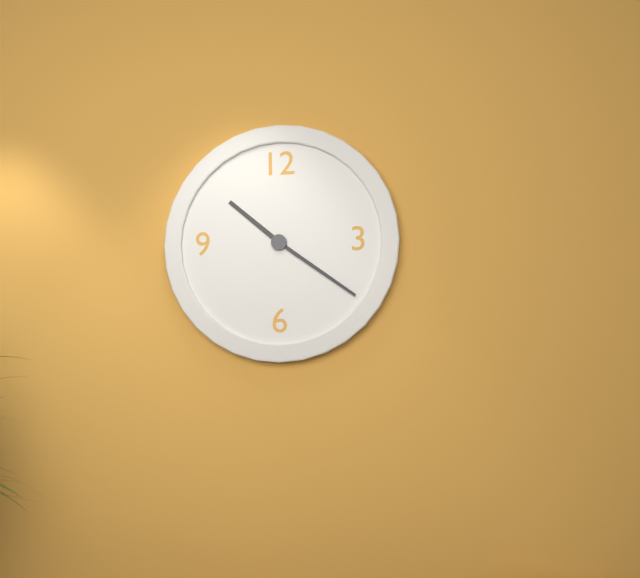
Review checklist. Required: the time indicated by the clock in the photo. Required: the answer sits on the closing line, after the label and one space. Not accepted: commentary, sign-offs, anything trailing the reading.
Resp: 10:21
